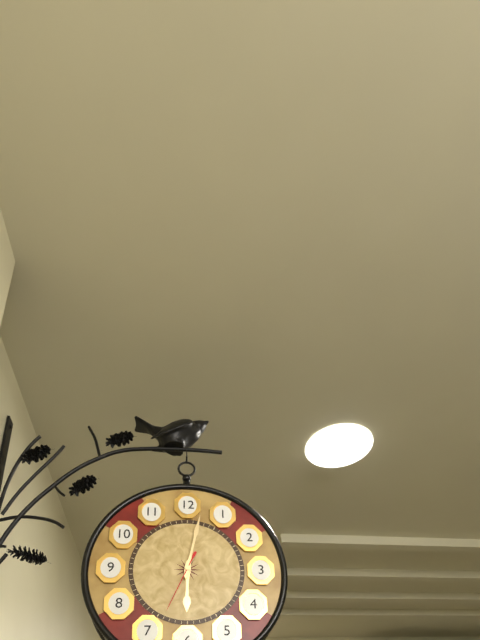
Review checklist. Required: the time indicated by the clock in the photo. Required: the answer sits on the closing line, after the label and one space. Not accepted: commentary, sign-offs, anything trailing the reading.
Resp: 6:02:34
